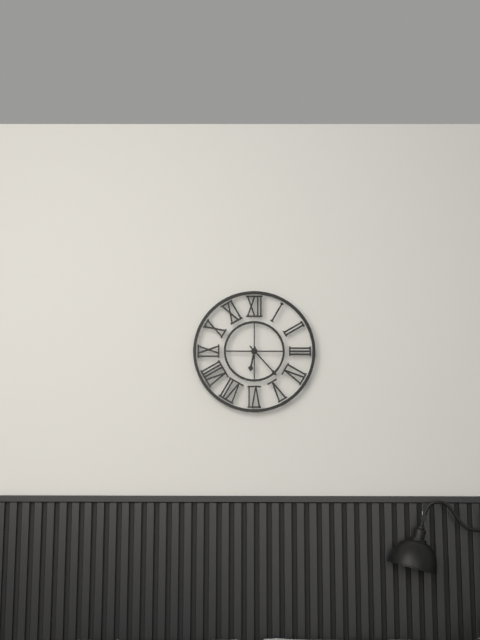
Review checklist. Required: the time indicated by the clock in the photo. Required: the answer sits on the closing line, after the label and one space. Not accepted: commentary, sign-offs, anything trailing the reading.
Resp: 6:23
